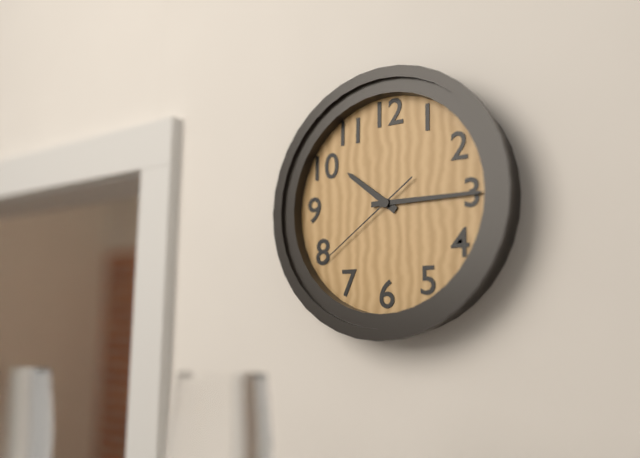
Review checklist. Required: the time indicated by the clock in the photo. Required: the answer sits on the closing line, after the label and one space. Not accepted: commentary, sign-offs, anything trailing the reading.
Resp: 10:15:39
